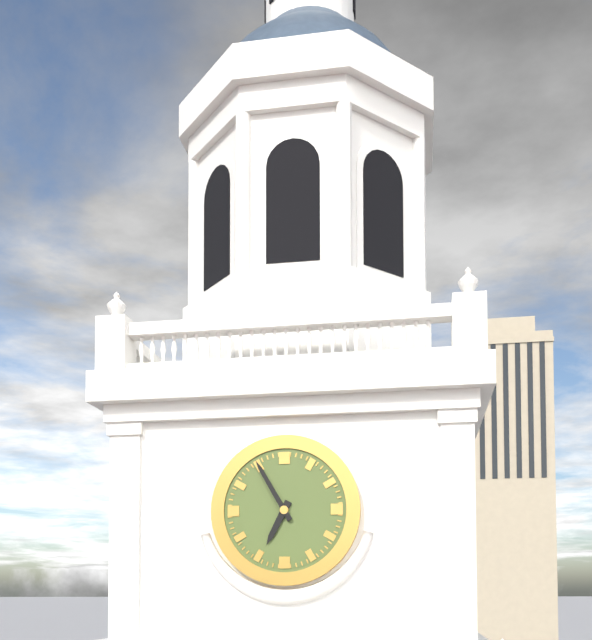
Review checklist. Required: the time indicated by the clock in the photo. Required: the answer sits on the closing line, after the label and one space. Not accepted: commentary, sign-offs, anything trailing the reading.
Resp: 6:55
